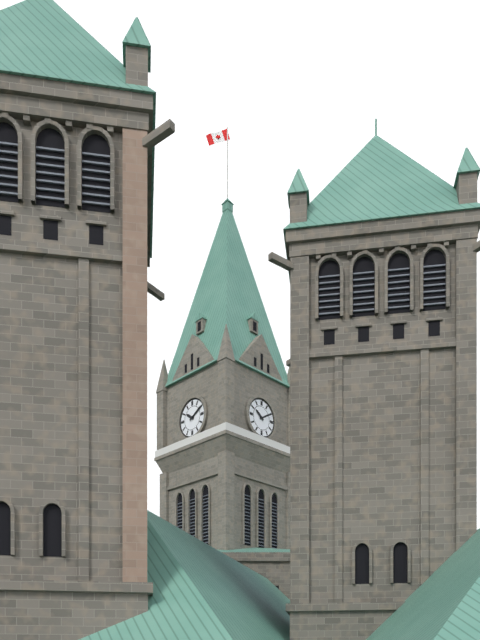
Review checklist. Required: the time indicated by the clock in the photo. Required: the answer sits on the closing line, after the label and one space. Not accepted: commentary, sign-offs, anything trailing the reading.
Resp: 10:10
